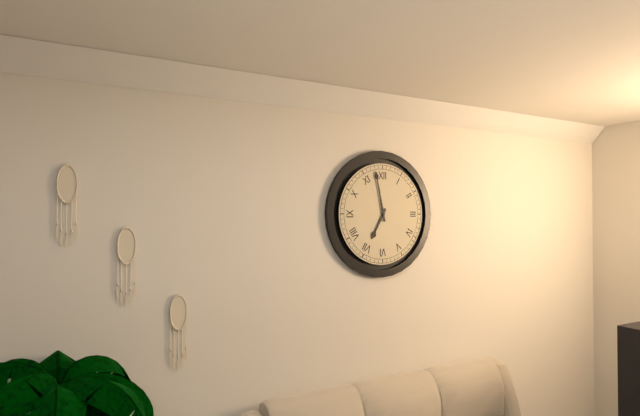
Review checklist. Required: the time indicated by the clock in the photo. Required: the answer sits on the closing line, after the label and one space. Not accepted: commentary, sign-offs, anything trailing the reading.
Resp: 6:58
